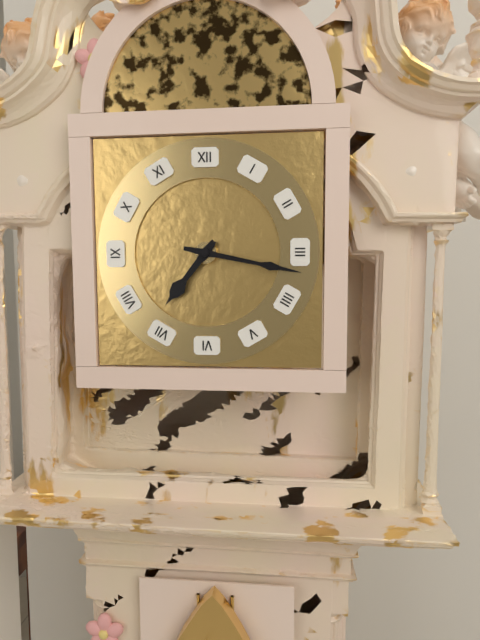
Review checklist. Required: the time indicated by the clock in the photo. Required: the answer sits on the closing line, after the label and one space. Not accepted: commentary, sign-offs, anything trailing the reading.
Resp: 7:17
